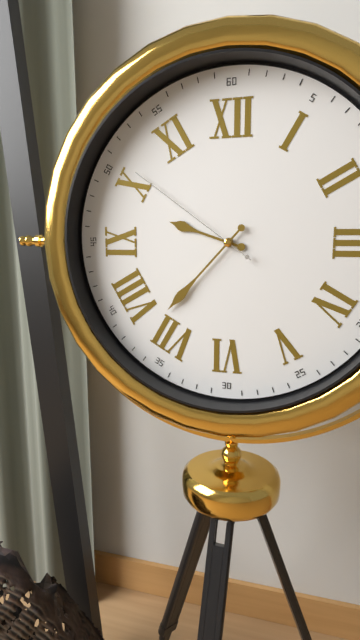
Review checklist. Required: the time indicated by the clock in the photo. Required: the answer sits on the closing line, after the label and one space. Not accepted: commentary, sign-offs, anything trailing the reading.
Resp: 9:37:51
